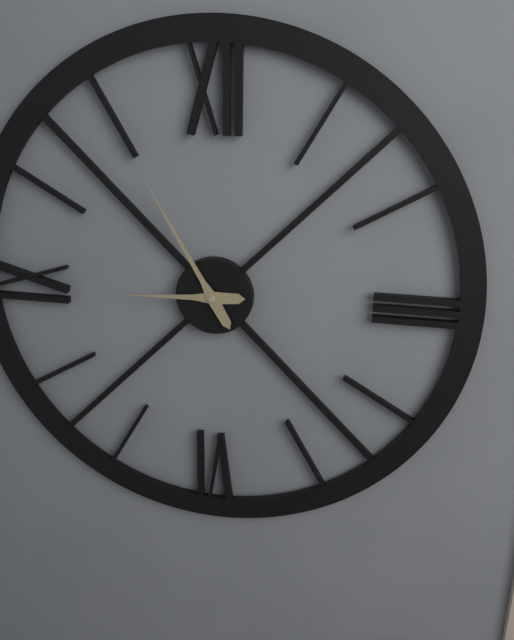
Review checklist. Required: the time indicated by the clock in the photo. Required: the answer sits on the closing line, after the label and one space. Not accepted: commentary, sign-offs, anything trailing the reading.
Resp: 8:55
